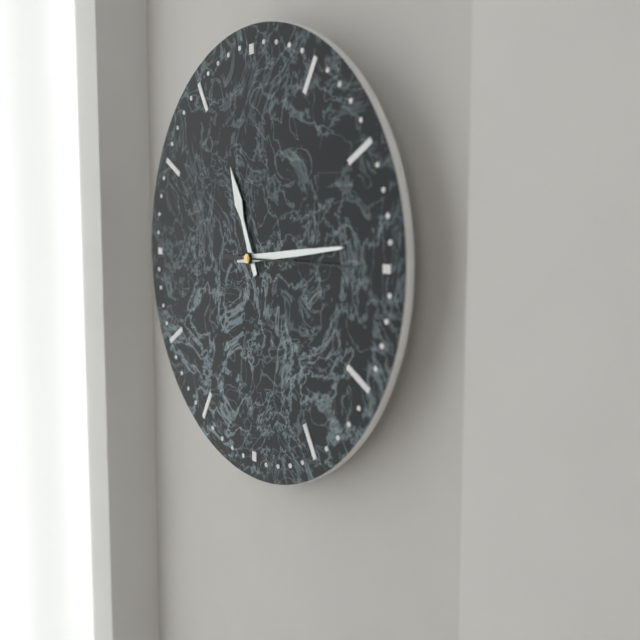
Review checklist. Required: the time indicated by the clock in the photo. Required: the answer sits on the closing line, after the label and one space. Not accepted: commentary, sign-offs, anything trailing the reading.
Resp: 11:14:15
